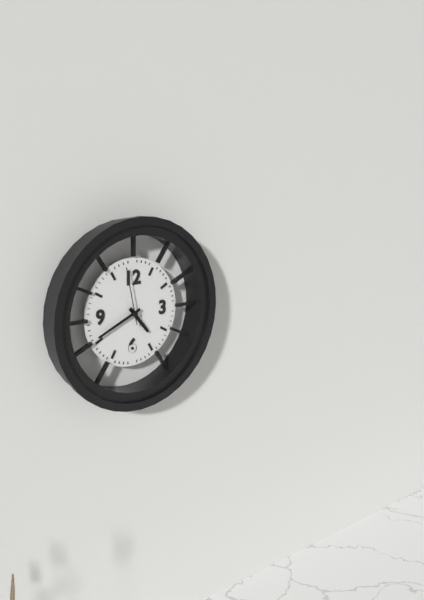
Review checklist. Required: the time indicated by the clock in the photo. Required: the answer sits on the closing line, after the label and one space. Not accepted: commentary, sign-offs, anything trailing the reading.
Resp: 4:41:58
